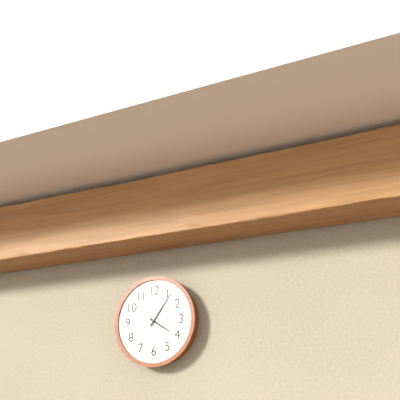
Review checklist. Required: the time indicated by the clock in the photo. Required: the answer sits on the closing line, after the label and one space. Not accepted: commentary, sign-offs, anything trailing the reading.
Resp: 4:06
